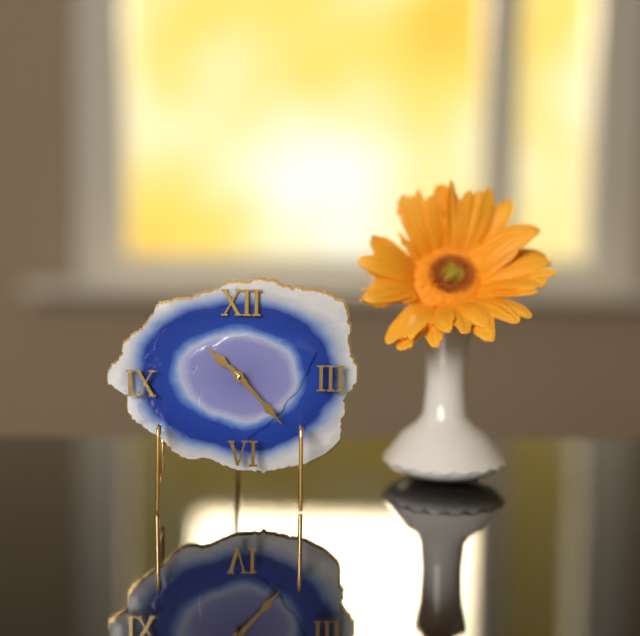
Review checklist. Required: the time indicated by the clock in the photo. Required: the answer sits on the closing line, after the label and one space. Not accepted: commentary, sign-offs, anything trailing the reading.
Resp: 10:23
